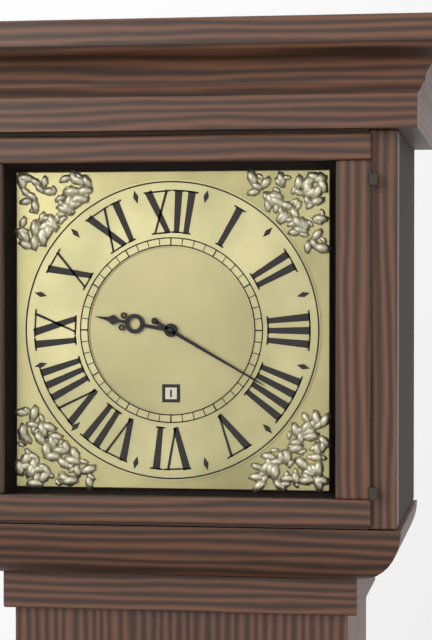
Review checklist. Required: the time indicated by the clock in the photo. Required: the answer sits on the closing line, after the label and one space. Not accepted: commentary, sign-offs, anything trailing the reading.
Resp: 9:20
